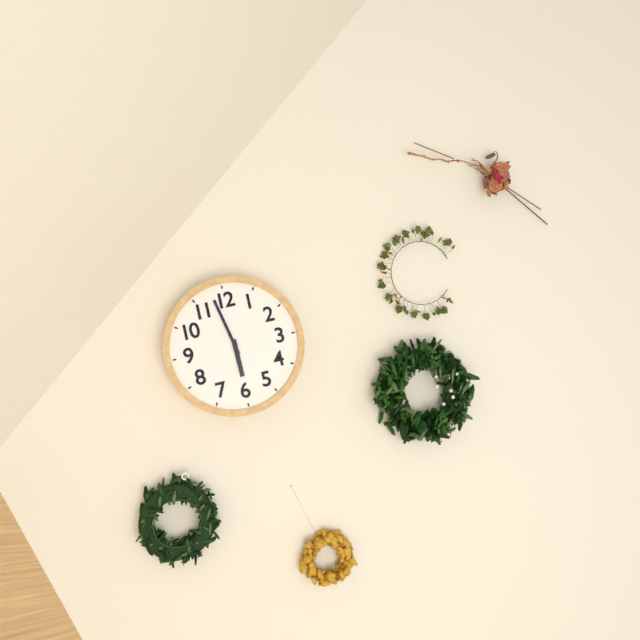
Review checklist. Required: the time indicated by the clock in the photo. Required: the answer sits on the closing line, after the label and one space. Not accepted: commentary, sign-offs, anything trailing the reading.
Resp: 5:58
